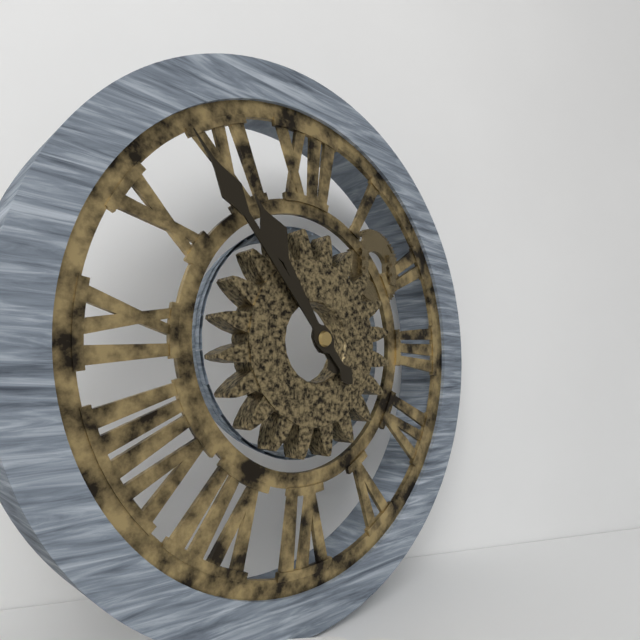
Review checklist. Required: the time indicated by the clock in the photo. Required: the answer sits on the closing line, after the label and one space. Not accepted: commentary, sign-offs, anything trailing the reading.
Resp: 10:53
